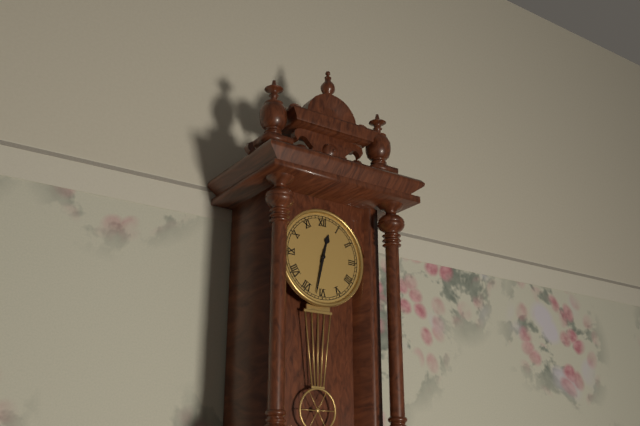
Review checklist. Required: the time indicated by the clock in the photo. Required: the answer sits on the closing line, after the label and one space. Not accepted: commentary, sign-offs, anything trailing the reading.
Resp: 12:32
